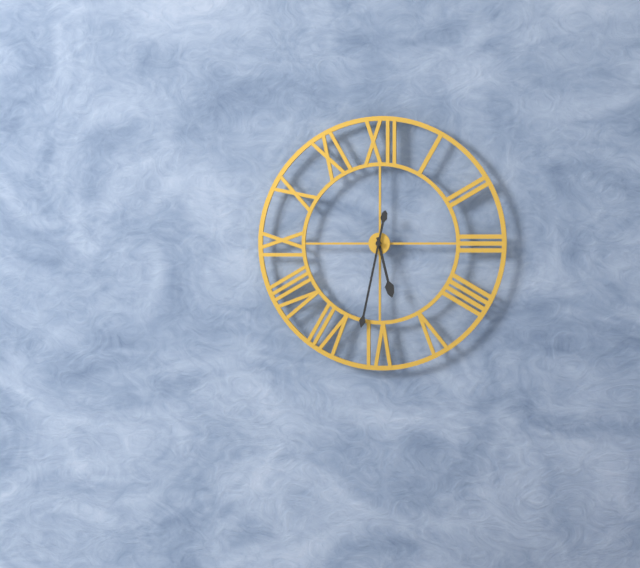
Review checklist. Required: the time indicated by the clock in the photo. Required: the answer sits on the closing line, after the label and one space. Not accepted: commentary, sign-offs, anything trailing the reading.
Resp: 5:32
